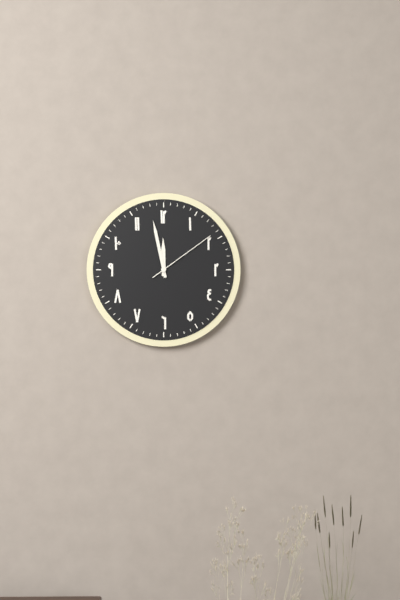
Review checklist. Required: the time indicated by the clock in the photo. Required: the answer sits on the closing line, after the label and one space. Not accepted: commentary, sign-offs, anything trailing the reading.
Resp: 11:58:09
